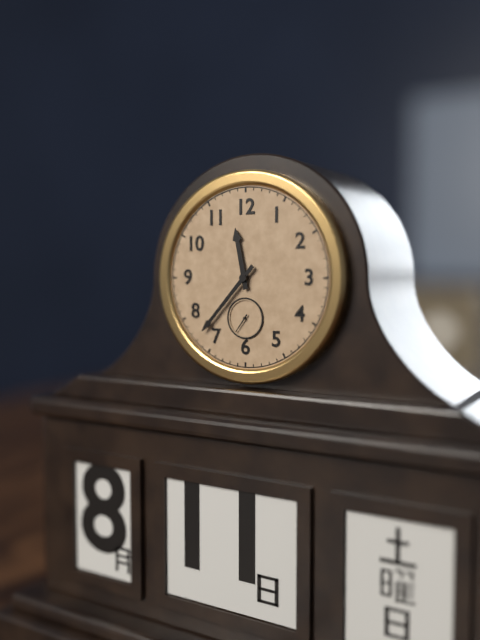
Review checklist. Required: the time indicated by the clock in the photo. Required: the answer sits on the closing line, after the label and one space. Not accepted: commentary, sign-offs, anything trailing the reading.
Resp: 11:37
